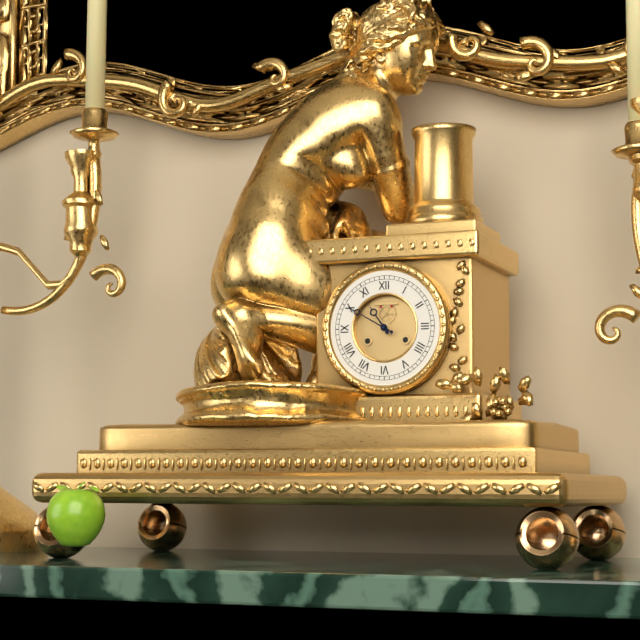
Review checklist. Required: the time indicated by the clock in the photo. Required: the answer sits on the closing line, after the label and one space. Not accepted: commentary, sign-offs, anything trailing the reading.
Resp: 10:50
